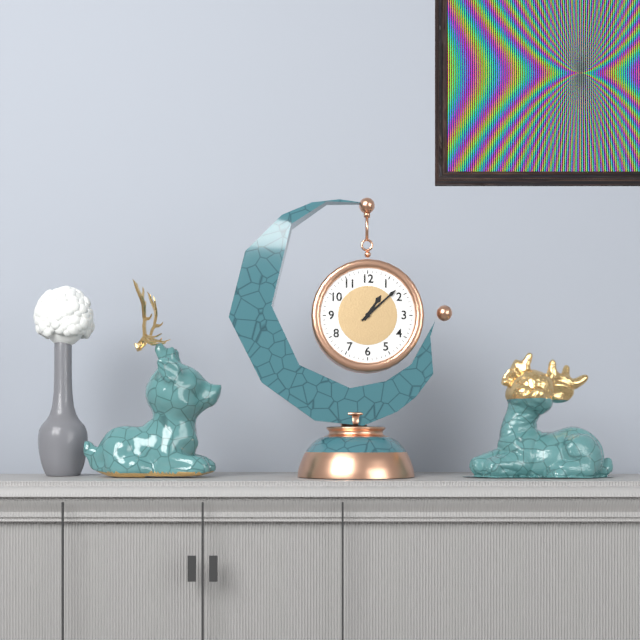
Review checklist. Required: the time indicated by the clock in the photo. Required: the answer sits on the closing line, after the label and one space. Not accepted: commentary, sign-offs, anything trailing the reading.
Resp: 1:08
